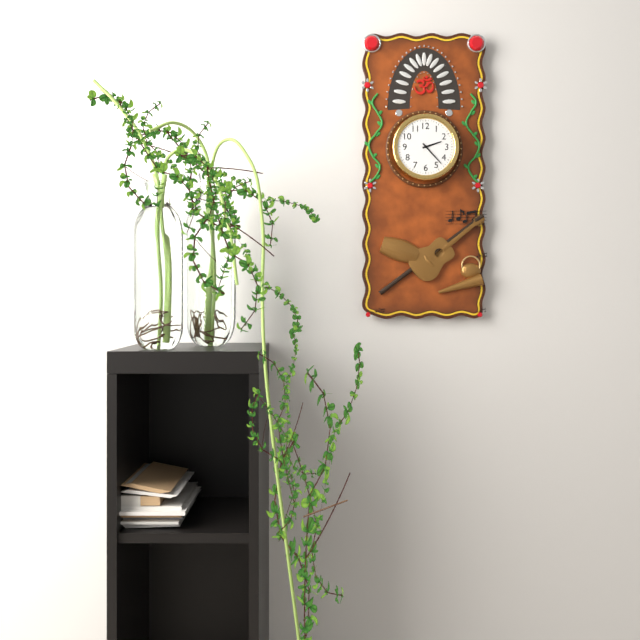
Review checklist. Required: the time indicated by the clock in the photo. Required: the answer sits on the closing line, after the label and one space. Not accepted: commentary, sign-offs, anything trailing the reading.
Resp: 2:23
